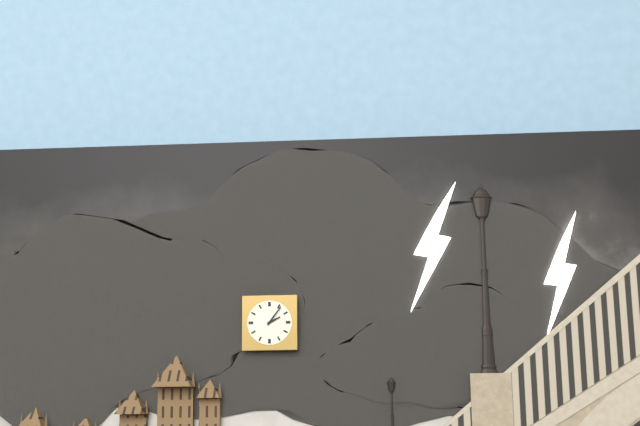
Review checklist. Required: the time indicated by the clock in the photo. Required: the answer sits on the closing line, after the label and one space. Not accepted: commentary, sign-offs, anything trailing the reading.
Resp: 2:06
